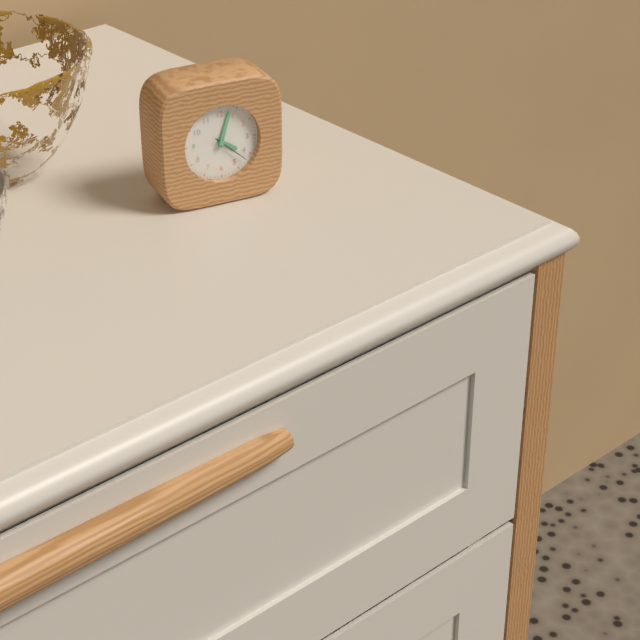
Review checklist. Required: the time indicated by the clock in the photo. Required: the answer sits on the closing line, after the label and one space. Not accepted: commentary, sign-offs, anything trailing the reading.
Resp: 4:03
